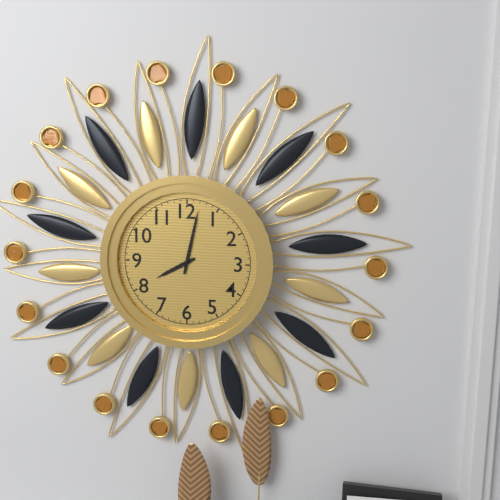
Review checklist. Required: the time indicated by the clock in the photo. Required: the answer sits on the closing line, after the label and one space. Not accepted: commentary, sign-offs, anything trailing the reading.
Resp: 8:02
